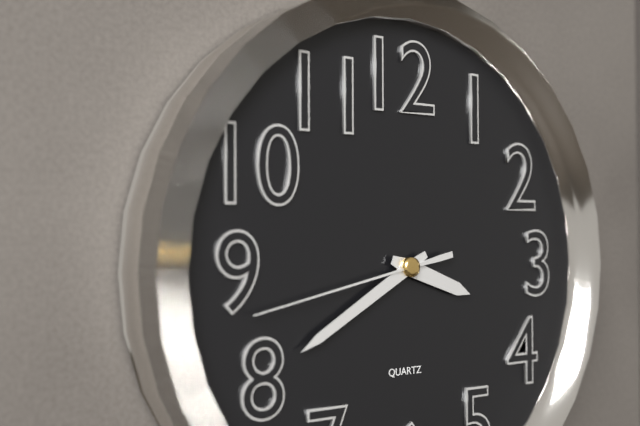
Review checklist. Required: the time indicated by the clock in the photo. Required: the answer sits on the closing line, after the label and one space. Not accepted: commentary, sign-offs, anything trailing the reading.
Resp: 3:40:43
